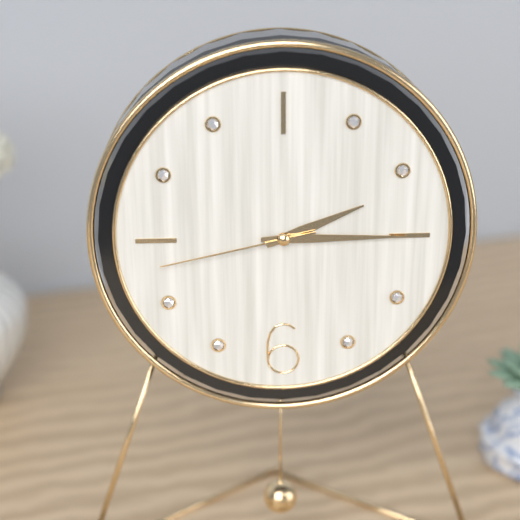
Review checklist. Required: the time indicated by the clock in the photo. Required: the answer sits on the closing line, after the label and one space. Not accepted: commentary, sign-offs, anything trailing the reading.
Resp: 2:15:43
